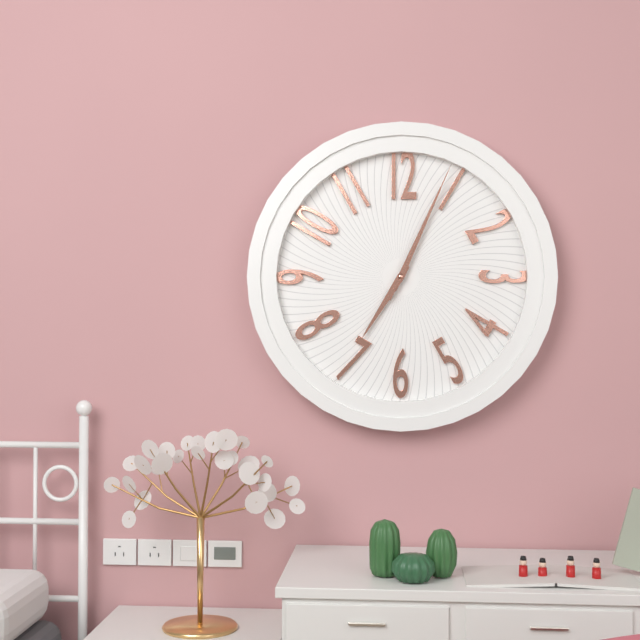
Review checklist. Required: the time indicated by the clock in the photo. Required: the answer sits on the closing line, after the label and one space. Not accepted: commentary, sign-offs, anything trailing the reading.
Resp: 7:04:04
